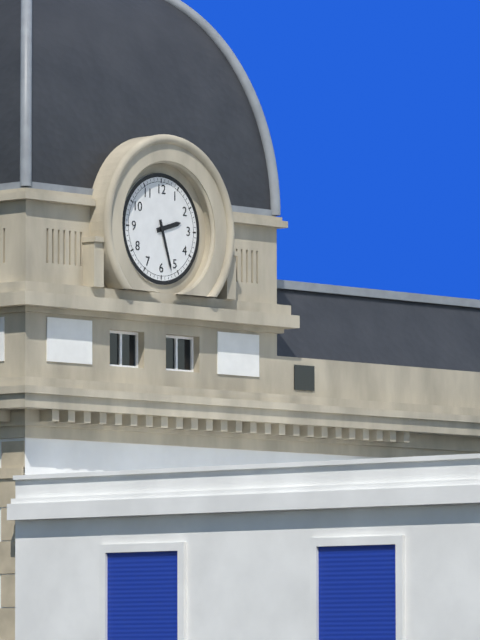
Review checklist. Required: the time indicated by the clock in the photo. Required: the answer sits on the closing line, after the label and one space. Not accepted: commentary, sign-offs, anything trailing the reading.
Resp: 2:27
